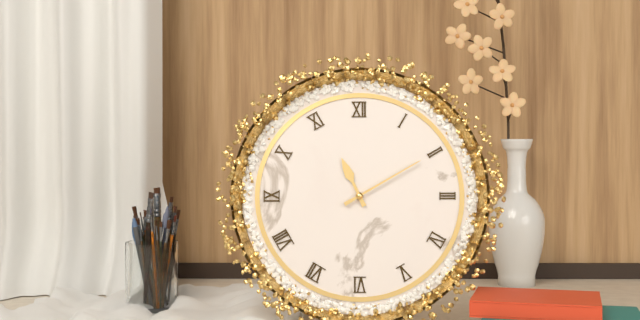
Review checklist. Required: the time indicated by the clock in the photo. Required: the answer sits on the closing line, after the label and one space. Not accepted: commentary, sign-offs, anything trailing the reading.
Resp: 11:10
